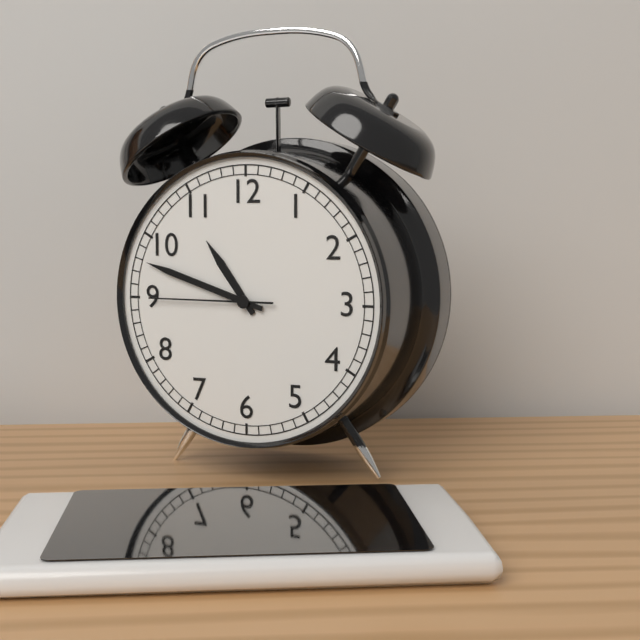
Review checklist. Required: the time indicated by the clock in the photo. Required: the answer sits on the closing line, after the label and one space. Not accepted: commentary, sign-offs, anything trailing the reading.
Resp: 10:48:45
